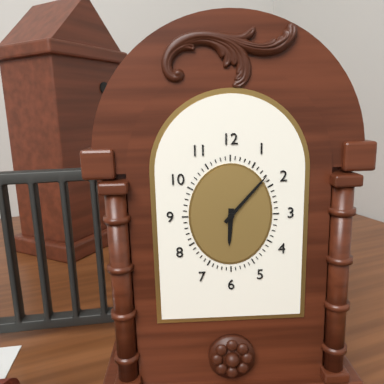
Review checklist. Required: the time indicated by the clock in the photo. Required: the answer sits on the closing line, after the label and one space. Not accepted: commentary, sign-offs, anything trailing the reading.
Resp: 6:07
